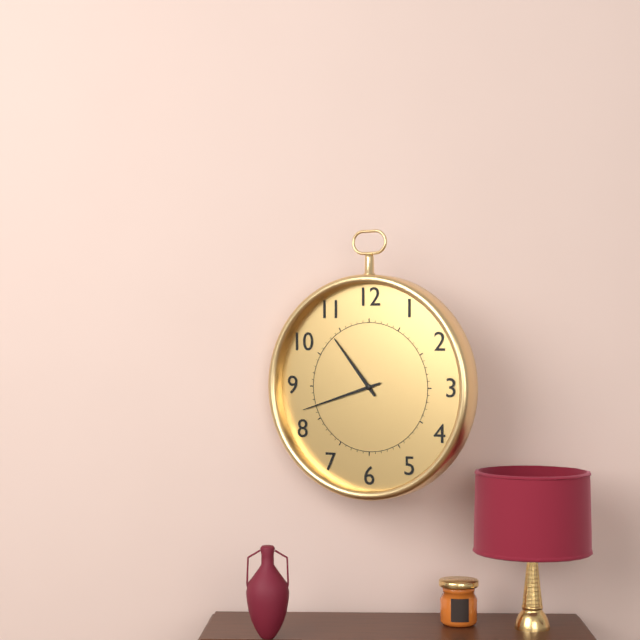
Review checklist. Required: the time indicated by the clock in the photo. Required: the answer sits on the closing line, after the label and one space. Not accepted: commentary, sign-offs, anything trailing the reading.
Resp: 10:42
